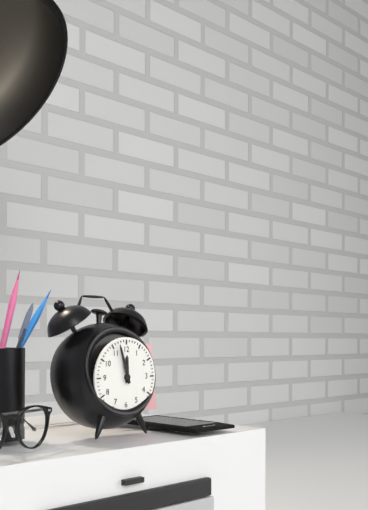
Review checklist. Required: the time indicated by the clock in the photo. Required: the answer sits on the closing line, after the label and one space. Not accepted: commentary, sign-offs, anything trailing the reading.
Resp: 11:57
